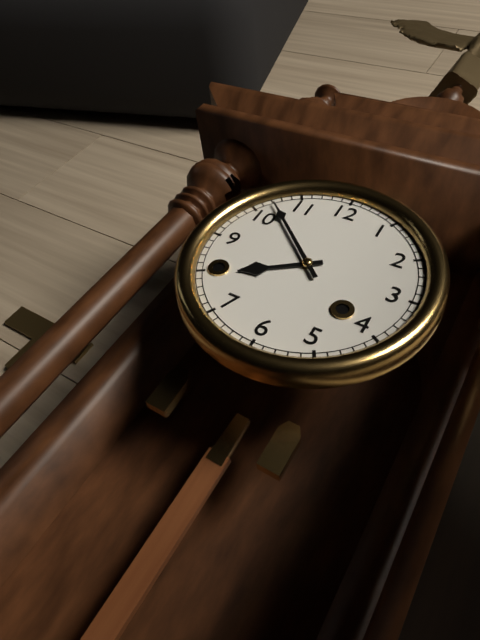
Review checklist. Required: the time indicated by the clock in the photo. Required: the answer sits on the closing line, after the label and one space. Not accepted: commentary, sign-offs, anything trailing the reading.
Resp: 7:52
